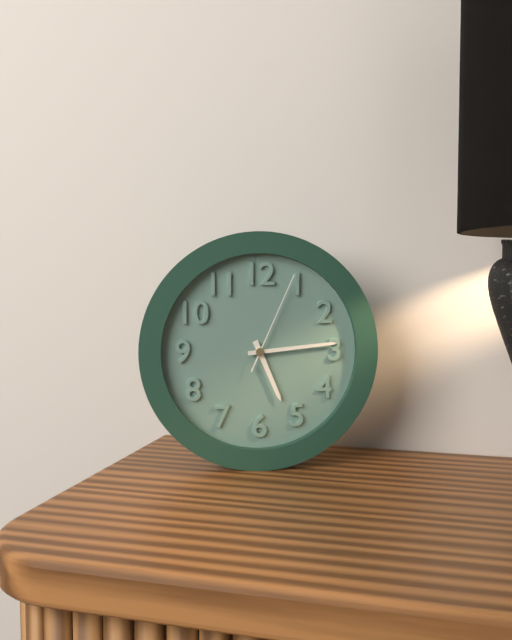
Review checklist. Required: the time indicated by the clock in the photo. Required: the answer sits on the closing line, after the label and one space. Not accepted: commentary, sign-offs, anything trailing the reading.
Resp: 5:14:04
